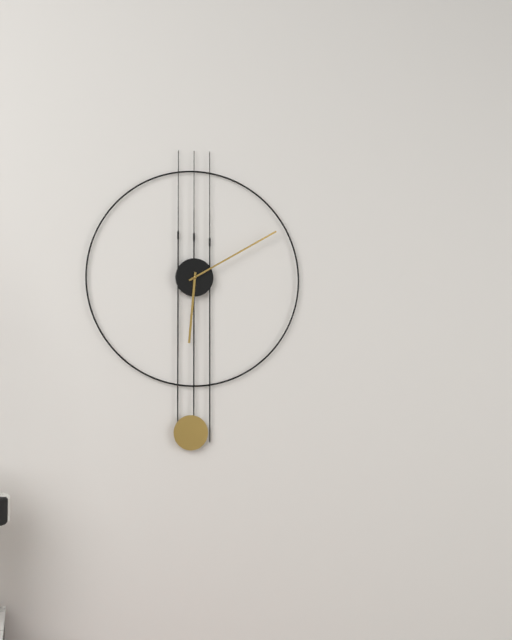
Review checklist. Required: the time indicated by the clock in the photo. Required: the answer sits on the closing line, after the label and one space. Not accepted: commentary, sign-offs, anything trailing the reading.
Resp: 6:10
